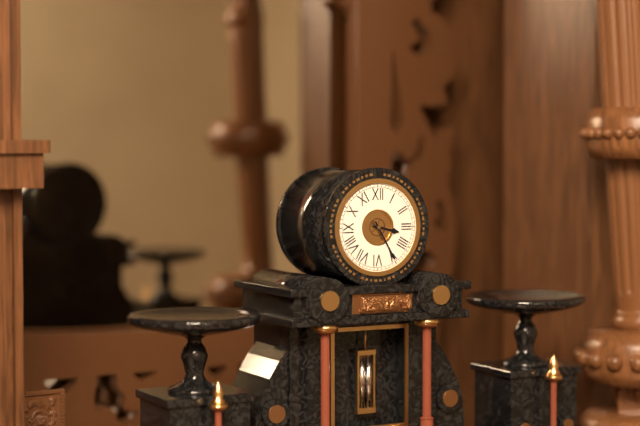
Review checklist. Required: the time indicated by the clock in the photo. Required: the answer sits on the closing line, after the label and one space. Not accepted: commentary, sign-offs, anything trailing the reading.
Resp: 3:25
